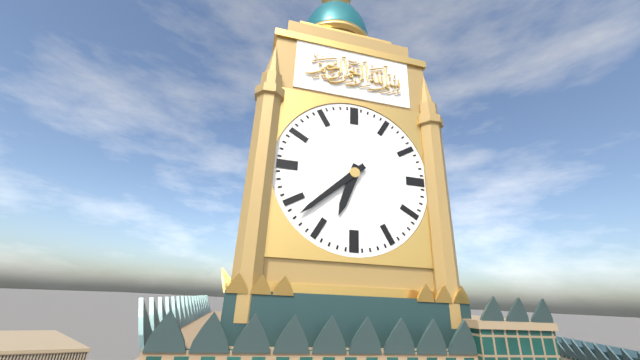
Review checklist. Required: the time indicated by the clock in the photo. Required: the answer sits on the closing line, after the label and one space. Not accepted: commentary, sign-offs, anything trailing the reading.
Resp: 6:38
